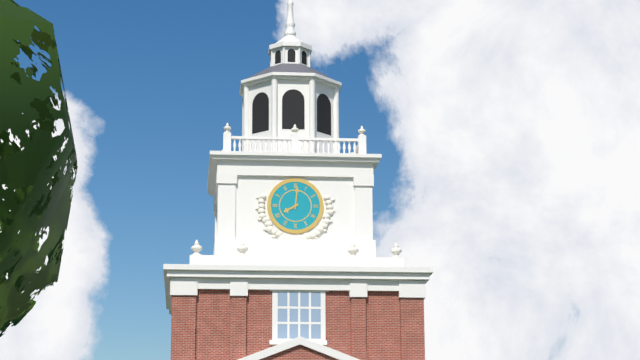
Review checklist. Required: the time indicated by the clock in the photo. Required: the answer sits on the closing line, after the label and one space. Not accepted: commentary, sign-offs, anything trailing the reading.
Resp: 8:01
